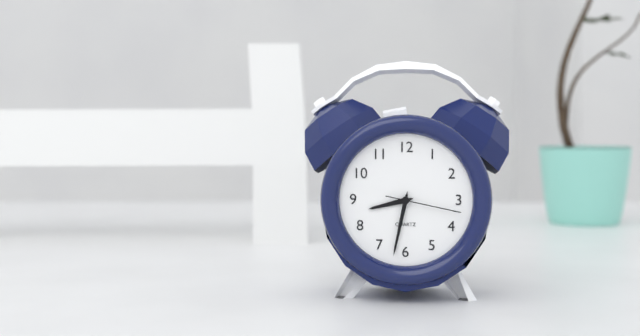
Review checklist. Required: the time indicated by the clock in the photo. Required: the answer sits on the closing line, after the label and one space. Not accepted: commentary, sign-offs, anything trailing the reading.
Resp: 8:32:17
